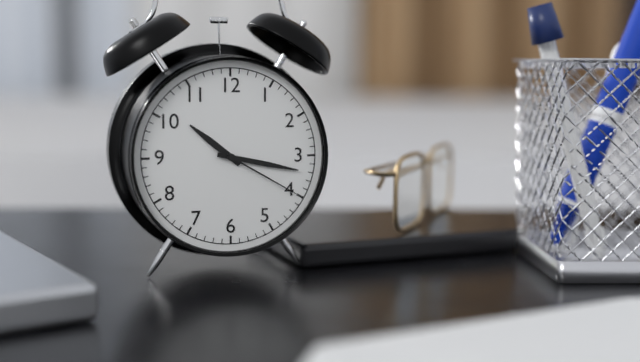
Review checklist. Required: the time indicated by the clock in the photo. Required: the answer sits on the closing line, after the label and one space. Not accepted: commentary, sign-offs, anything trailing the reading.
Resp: 10:17:20
